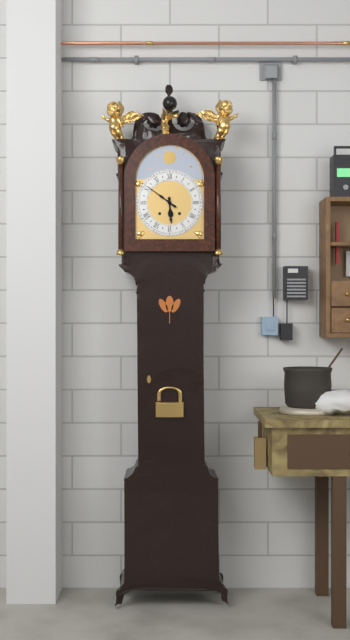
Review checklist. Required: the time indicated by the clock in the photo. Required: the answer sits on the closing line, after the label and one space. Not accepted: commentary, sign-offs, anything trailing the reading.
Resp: 5:51
